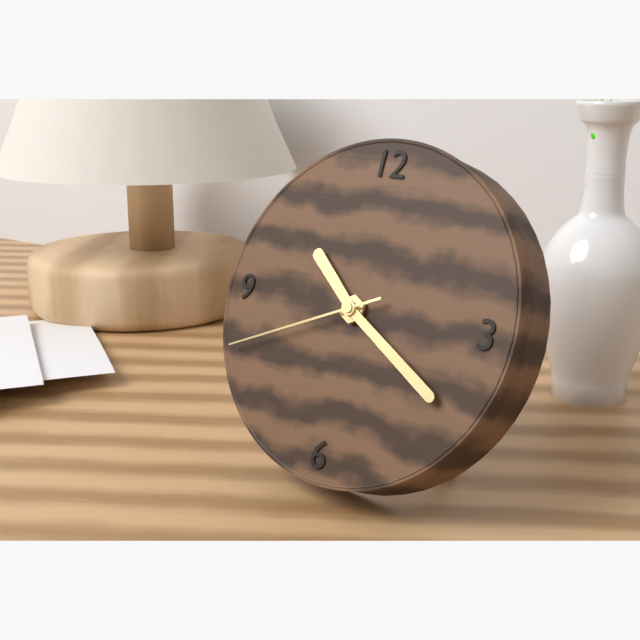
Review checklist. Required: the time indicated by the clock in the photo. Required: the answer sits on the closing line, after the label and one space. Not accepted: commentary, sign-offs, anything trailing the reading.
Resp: 10:20:41
